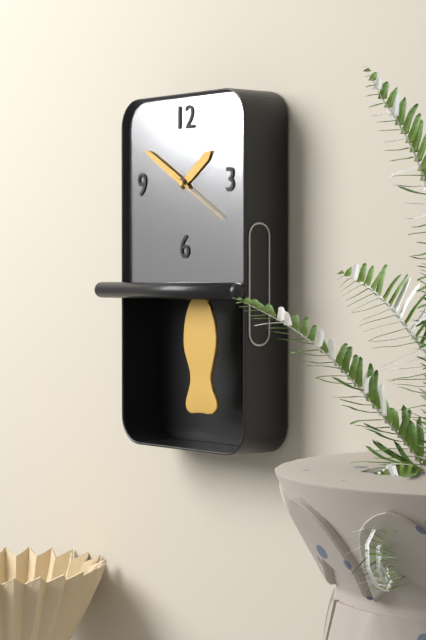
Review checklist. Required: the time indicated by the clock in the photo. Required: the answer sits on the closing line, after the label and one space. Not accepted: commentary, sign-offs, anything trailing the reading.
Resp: 1:50:20
